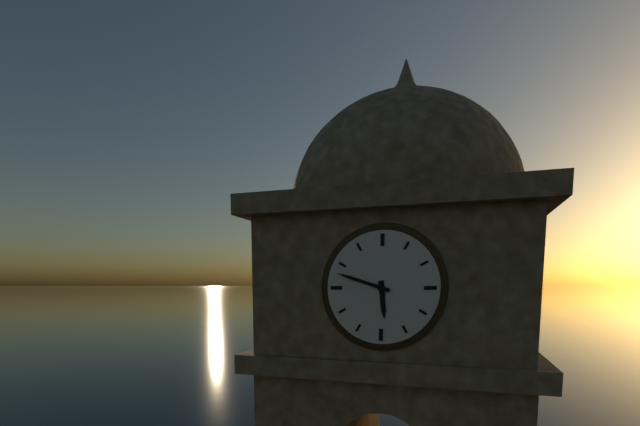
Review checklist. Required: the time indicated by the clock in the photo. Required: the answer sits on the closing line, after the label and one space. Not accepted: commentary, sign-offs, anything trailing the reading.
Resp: 5:48
